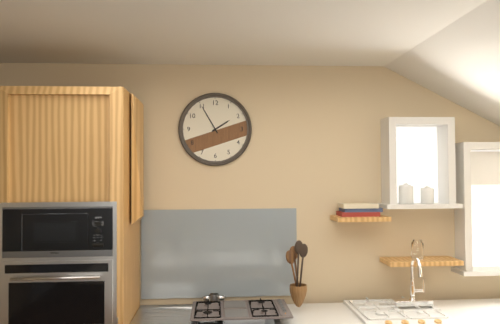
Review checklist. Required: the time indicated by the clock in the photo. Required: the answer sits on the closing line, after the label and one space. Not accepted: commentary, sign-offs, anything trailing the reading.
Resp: 1:55
